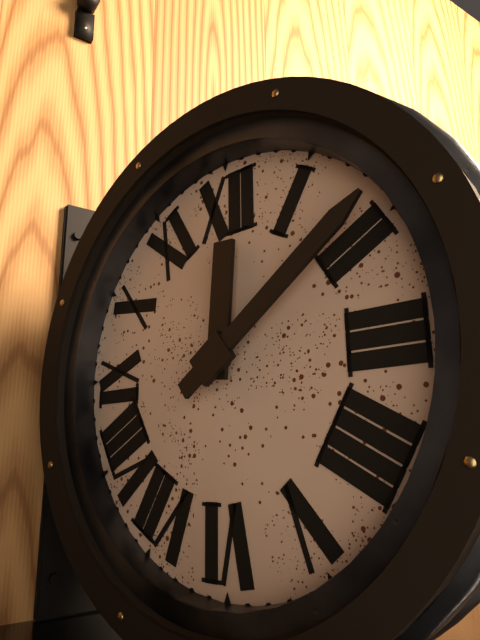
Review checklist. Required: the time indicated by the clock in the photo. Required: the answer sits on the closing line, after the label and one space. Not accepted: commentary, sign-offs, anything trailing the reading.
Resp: 12:09
